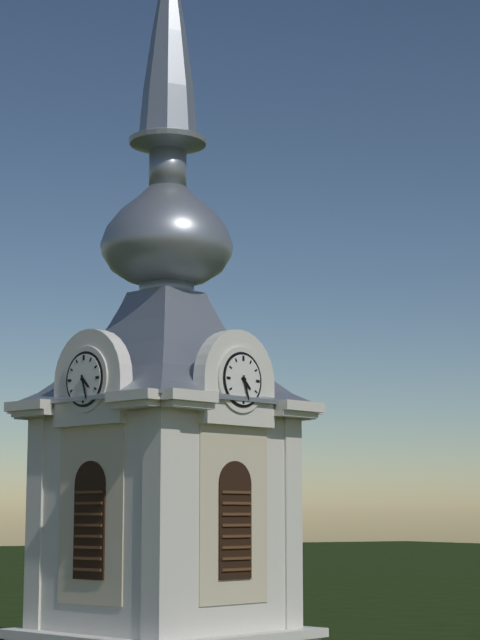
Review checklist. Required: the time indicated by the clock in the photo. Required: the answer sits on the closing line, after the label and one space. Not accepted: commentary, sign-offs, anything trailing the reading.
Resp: 4:27
